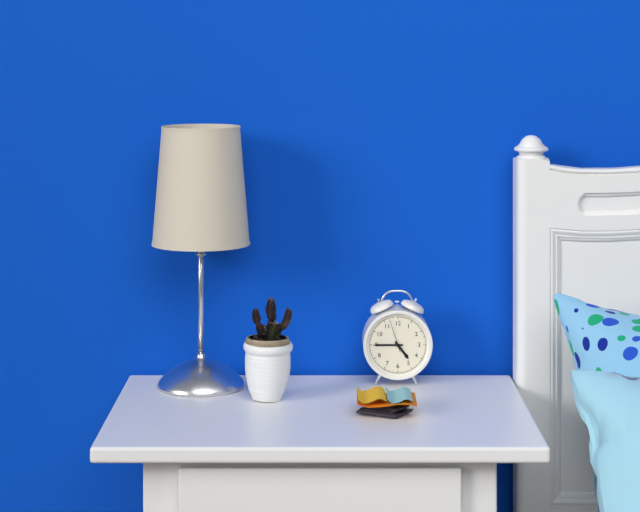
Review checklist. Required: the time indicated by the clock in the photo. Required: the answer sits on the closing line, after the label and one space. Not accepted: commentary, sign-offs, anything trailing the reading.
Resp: 4:45
